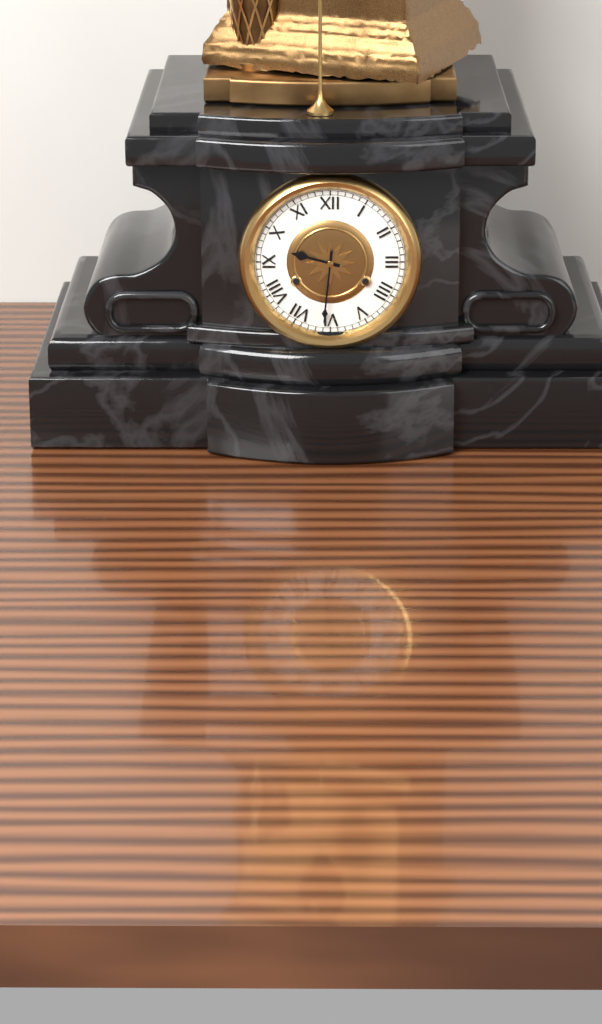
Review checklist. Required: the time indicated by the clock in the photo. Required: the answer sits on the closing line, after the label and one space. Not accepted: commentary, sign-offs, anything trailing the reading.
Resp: 9:31
